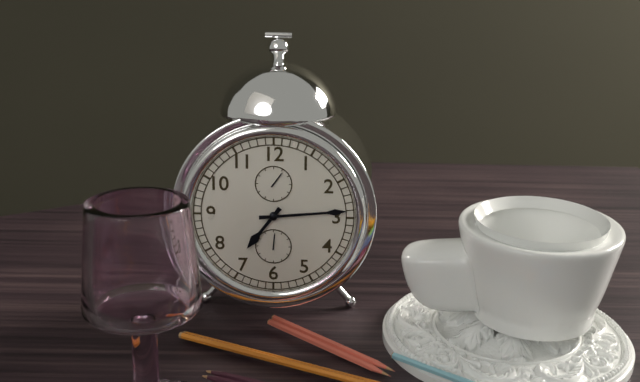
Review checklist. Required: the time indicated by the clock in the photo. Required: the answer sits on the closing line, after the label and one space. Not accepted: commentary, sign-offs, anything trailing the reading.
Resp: 7:14
